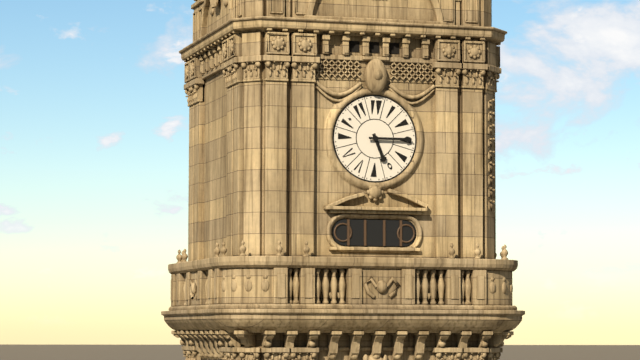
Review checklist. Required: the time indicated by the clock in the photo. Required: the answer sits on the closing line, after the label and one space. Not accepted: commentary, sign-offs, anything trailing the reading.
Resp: 5:15
